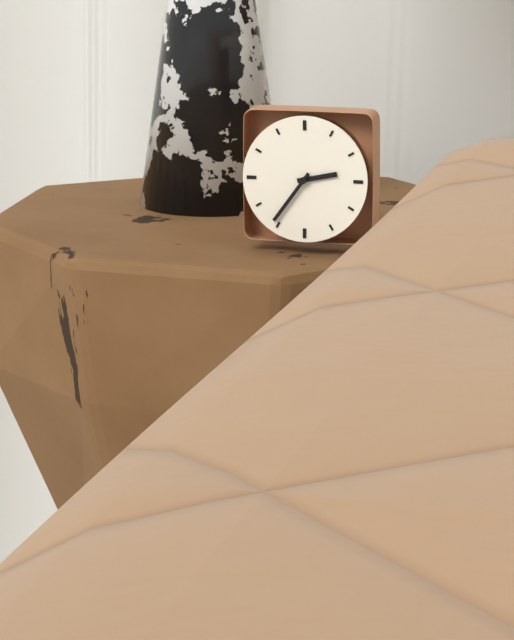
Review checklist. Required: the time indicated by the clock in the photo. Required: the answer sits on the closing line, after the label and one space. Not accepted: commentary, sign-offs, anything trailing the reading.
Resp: 2:36
